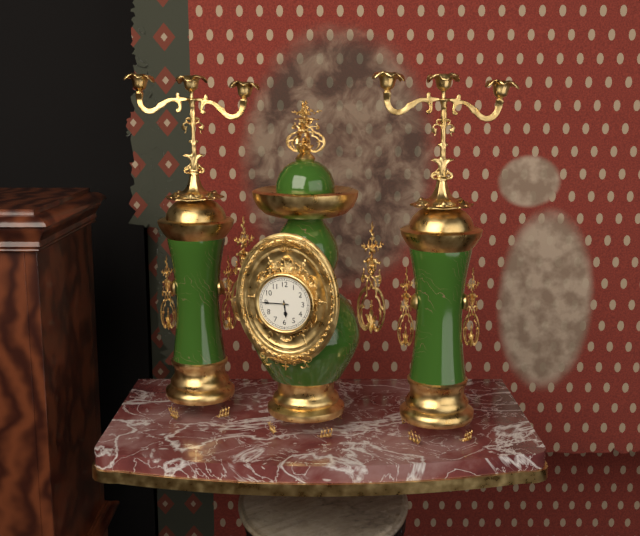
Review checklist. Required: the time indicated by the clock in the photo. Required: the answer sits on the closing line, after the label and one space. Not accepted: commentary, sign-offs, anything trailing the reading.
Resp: 5:45
